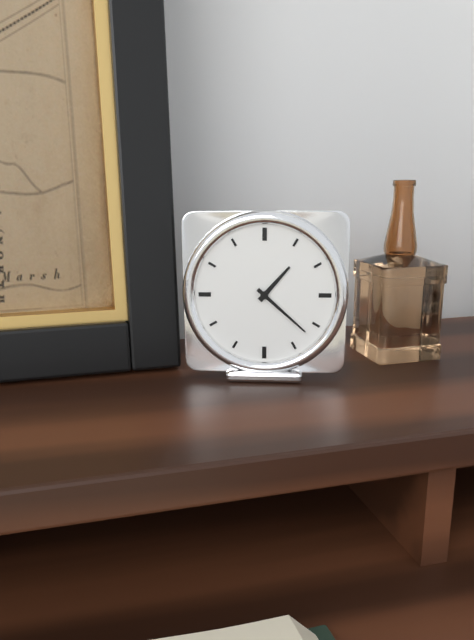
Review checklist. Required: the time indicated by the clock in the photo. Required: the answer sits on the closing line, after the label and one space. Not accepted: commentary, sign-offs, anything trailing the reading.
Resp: 1:22
